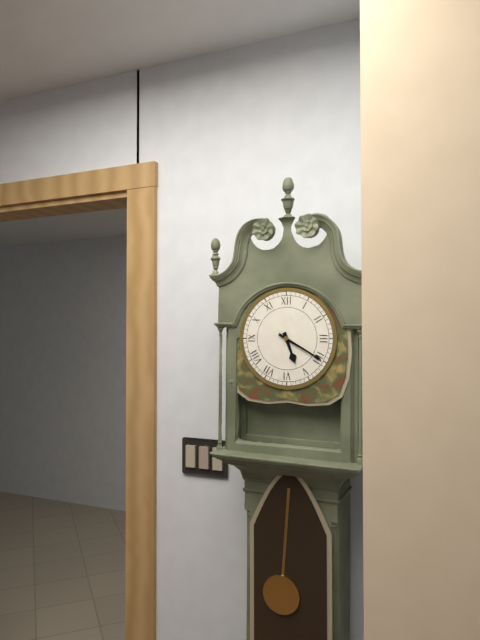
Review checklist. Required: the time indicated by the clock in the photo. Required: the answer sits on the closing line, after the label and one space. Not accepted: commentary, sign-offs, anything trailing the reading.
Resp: 5:20
